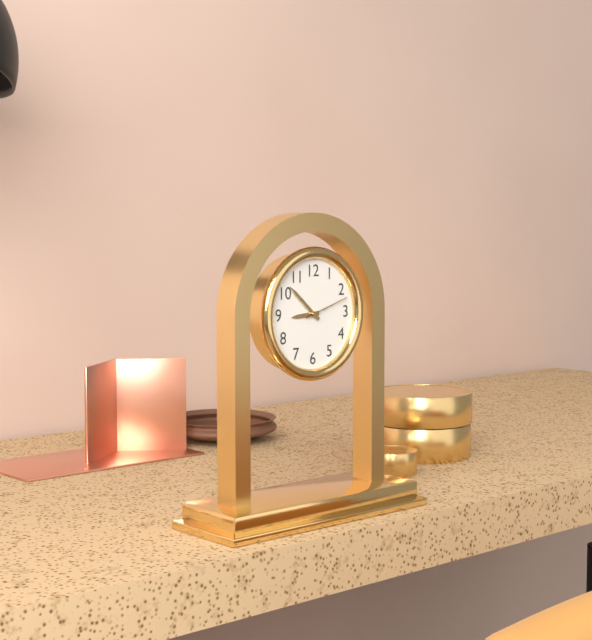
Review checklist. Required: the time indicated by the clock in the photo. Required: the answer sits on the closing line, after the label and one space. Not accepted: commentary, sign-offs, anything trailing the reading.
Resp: 8:52
